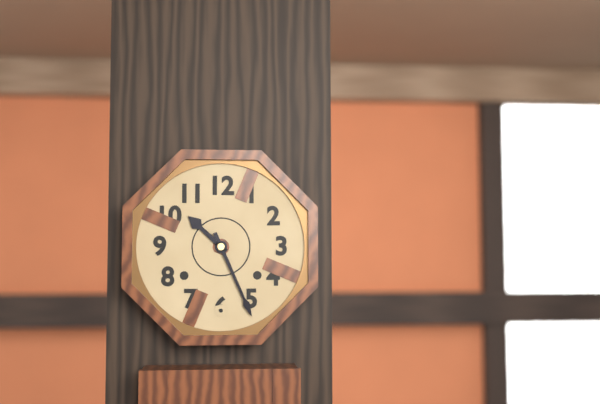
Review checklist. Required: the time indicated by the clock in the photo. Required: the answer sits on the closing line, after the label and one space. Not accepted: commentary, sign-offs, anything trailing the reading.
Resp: 10:26
